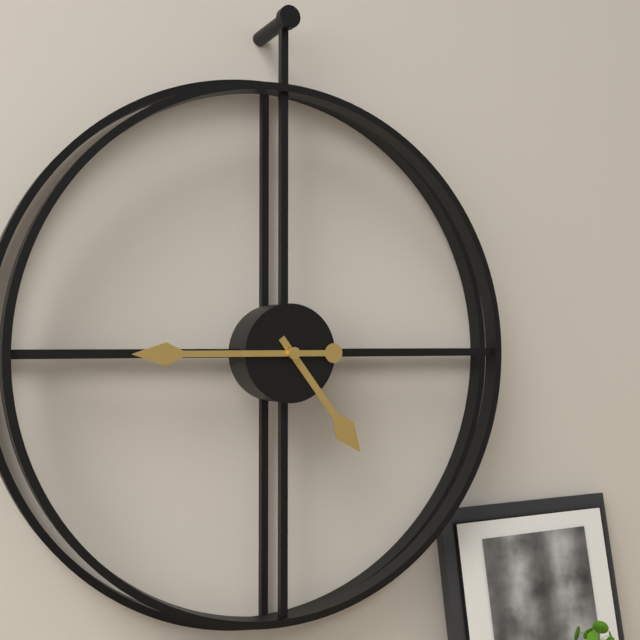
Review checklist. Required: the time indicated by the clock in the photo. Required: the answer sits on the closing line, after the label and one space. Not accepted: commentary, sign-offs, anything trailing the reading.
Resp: 4:45
